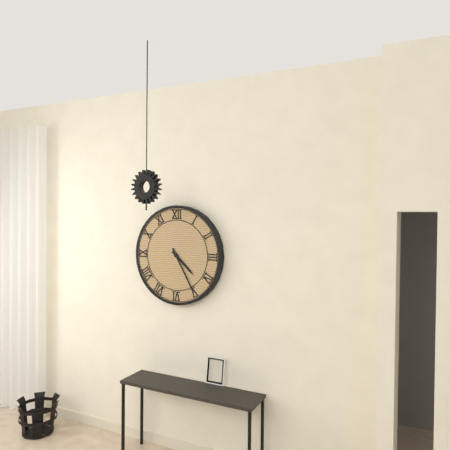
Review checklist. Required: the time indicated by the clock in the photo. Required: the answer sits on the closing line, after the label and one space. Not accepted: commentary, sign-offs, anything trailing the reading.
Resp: 4:25
